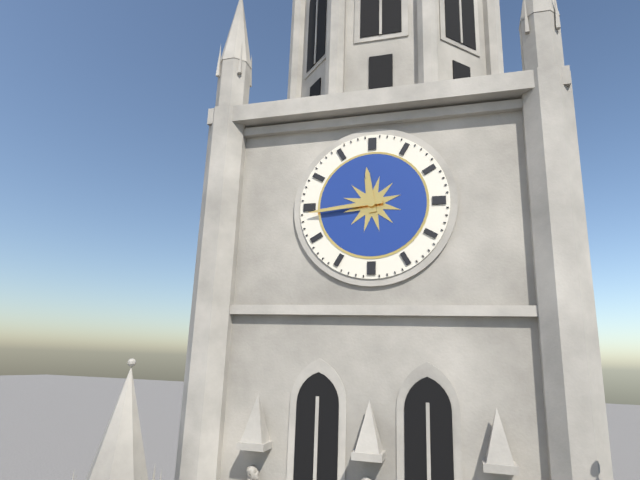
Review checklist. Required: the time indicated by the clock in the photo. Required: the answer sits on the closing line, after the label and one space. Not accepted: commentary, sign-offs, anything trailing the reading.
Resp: 11:44
